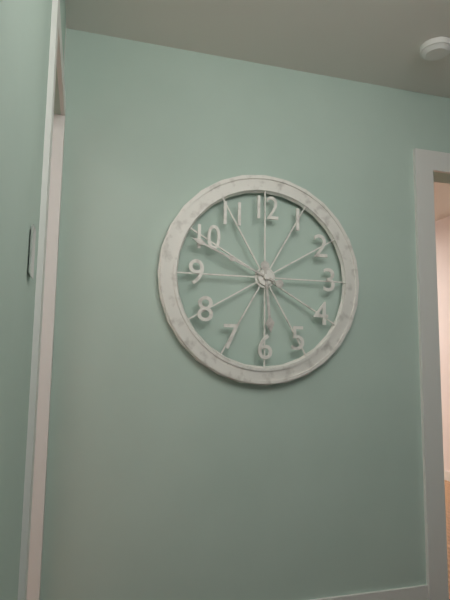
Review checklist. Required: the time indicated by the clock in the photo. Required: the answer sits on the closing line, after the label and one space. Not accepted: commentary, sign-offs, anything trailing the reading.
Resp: 5:49
